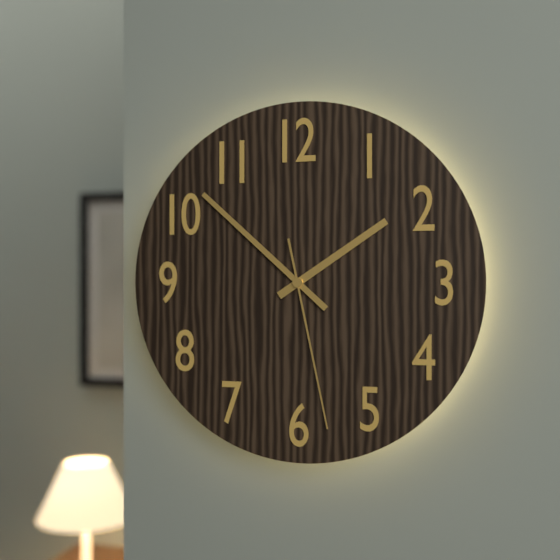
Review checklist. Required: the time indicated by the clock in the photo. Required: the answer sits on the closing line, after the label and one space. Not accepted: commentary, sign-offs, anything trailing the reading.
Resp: 1:52:28
